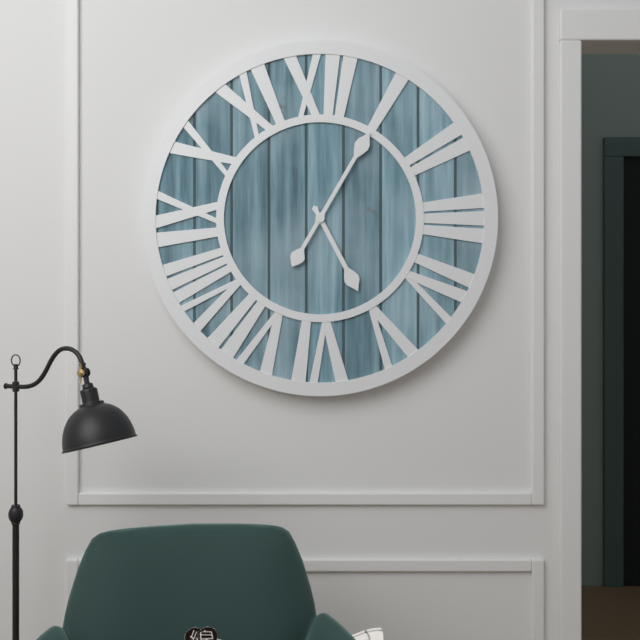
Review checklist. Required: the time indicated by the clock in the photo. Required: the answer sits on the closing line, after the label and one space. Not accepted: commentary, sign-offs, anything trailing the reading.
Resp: 5:05
